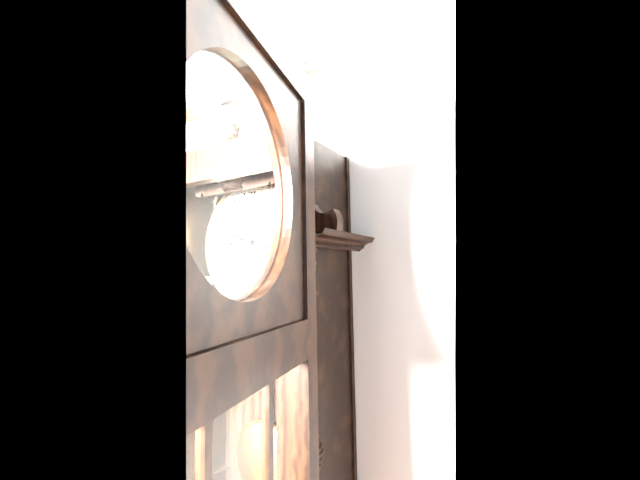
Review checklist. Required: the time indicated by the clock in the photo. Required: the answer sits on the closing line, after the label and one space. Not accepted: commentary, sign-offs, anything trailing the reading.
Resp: 8:49
